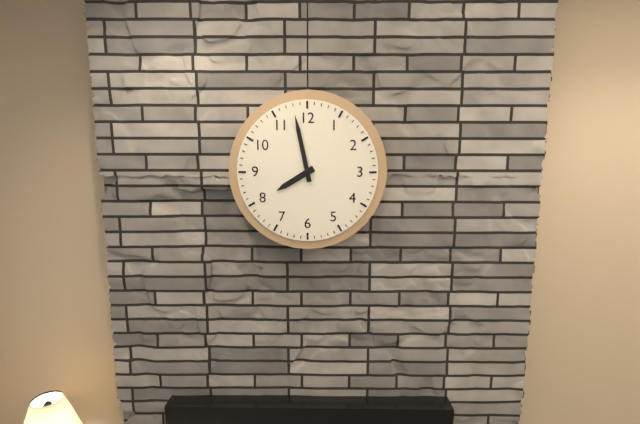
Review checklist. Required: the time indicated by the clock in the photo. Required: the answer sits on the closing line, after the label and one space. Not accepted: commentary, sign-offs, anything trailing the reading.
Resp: 7:58
